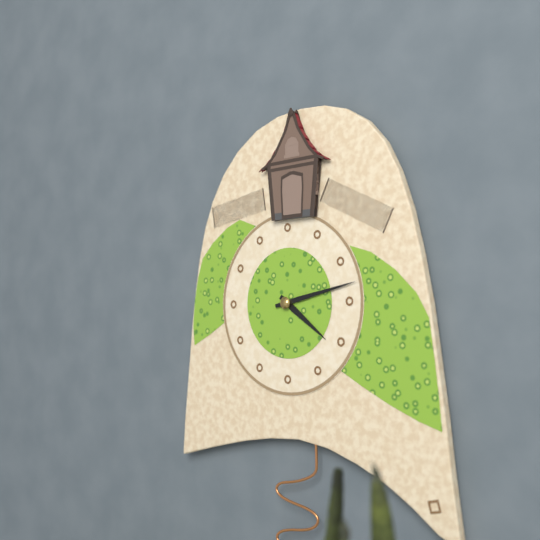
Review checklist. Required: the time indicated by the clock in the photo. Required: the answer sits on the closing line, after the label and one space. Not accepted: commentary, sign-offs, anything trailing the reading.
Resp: 4:13
